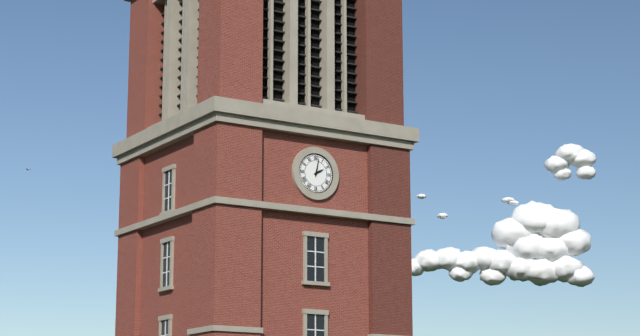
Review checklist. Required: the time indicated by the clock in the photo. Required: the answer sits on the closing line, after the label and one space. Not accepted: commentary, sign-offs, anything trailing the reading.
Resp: 2:02
